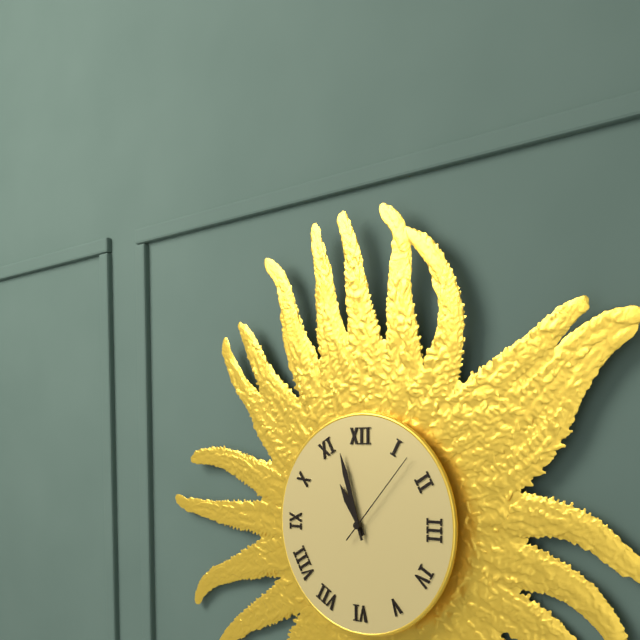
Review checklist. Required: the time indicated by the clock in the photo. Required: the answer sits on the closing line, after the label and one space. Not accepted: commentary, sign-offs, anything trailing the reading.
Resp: 10:57:07
